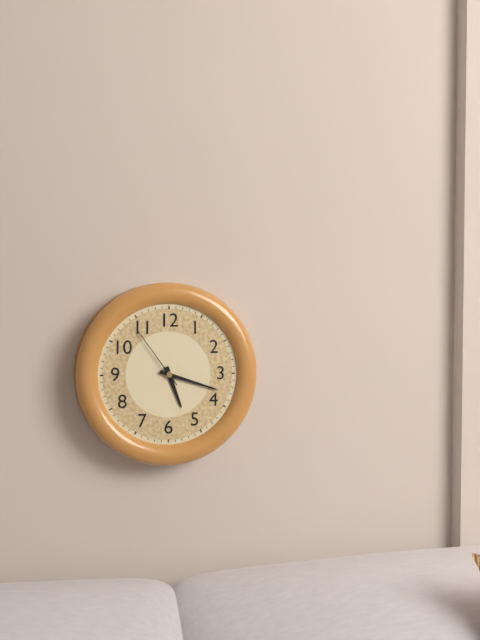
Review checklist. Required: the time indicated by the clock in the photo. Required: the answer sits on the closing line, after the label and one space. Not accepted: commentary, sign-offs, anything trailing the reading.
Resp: 5:18:54
